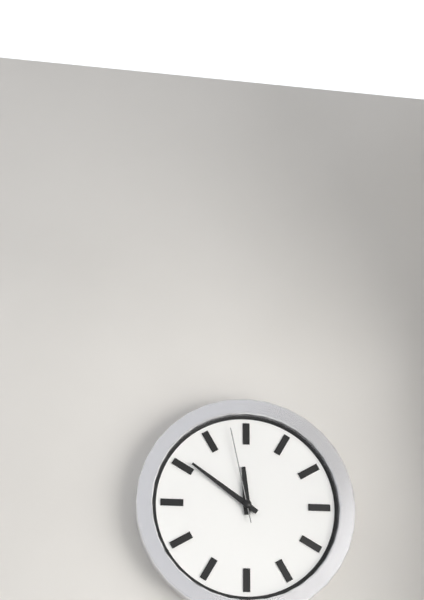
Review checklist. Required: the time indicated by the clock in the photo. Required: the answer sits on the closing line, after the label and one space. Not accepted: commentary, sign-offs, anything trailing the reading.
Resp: 11:51:58
